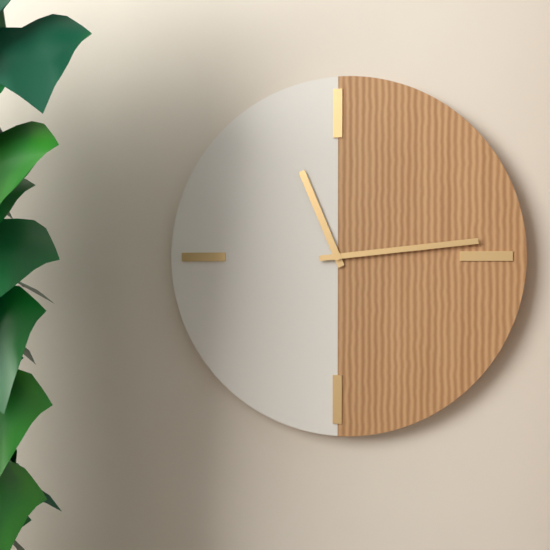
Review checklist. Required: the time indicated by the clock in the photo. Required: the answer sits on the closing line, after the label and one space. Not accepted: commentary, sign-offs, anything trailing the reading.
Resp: 11:14
